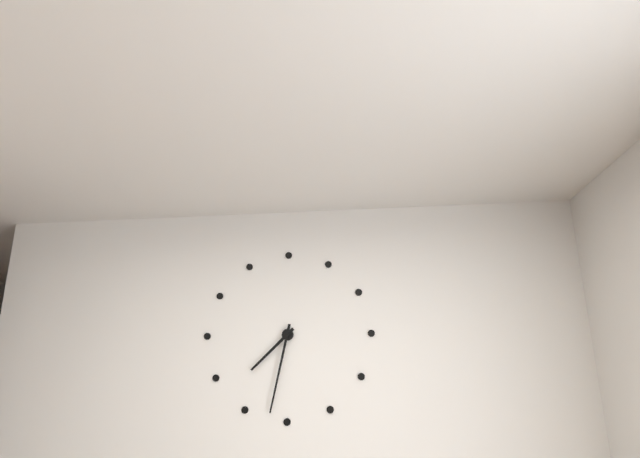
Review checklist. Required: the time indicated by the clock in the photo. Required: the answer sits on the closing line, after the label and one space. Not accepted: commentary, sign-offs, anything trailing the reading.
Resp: 7:32
